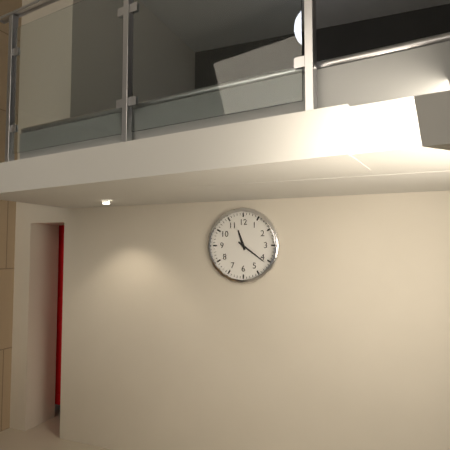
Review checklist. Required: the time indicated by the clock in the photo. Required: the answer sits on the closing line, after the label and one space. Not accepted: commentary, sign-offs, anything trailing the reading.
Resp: 11:21
